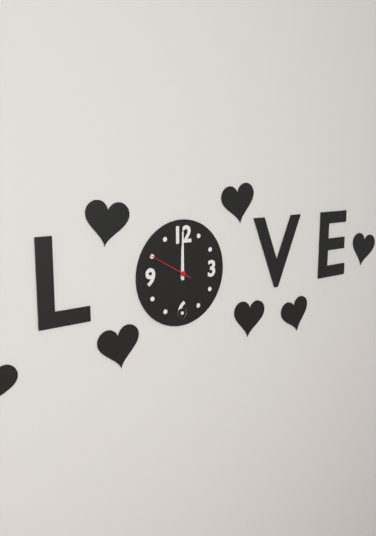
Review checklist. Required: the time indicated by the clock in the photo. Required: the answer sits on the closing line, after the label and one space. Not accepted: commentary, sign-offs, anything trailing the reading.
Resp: 12:00
